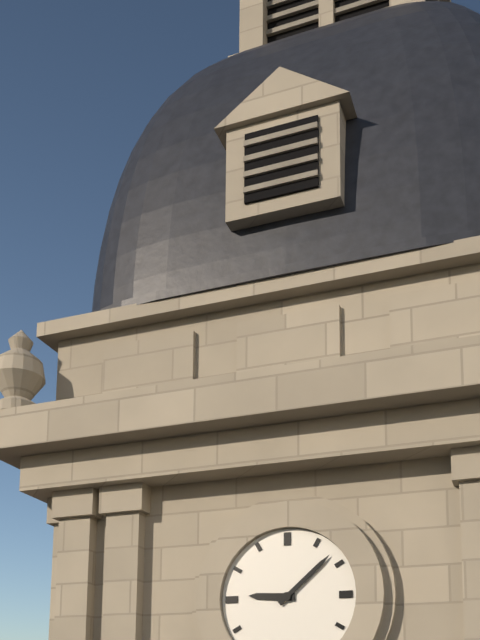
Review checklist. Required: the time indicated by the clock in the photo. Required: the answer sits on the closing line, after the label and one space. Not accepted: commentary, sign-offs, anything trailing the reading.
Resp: 9:08
